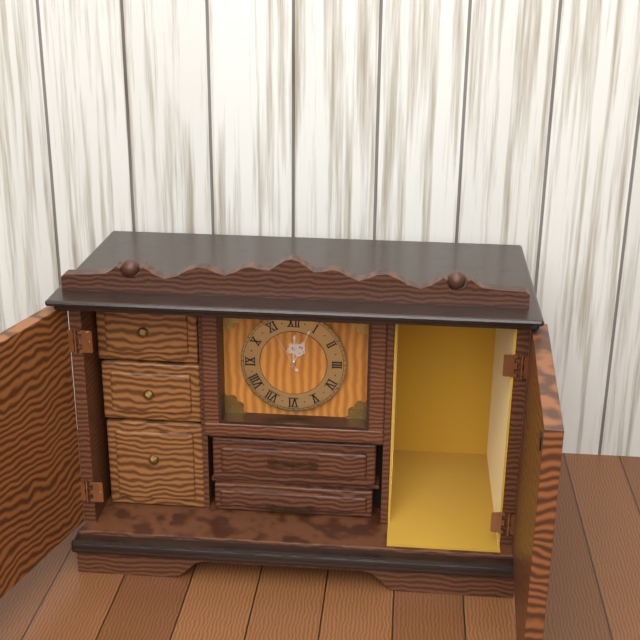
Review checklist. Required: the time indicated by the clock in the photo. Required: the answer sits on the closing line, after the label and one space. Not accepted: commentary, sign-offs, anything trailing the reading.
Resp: 12:04:55
